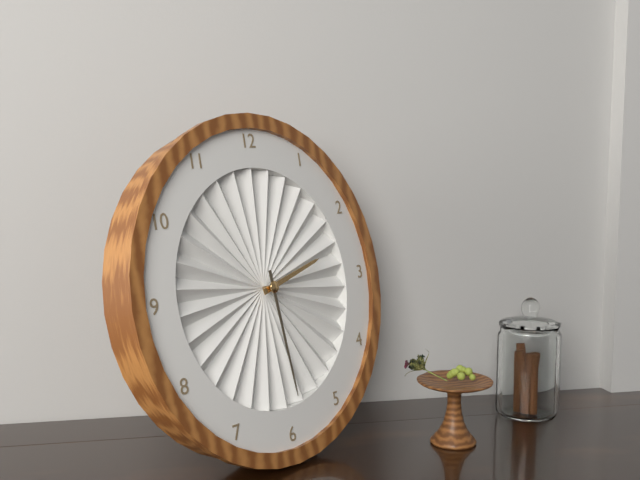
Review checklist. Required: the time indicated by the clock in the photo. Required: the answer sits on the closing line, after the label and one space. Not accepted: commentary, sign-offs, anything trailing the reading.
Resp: 2:29
